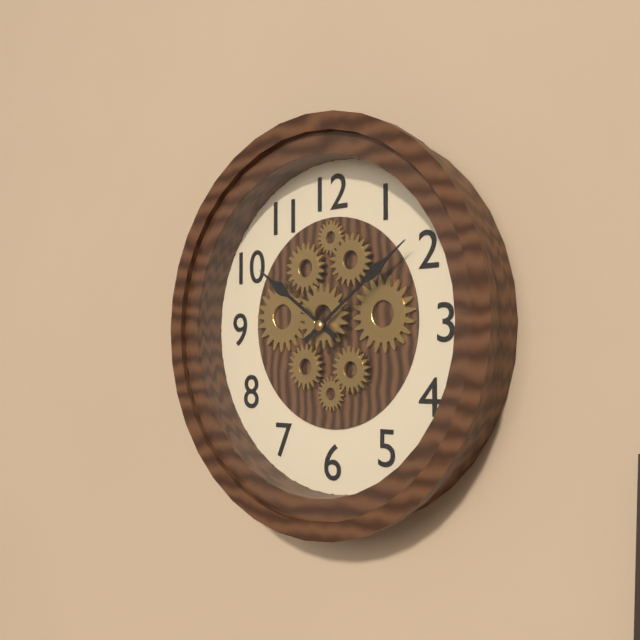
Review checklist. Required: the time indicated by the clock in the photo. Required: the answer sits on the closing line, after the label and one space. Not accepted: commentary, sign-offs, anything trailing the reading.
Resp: 10:09
